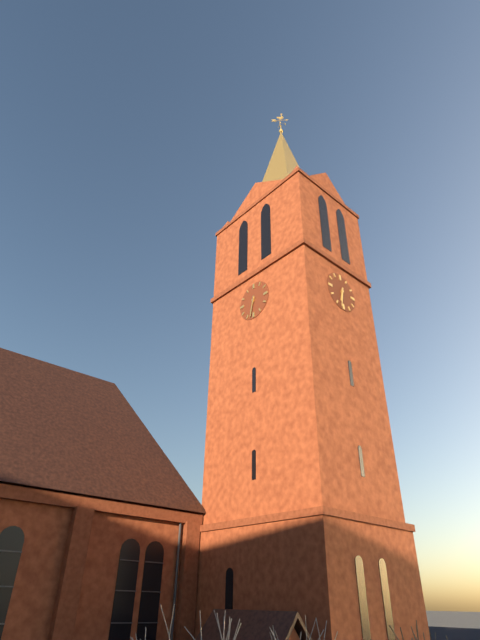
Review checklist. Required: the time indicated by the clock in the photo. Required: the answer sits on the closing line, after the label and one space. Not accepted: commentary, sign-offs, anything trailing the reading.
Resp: 6:32
